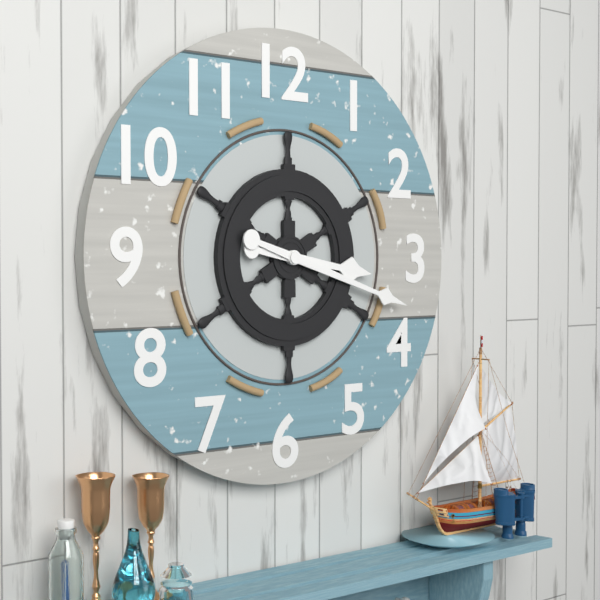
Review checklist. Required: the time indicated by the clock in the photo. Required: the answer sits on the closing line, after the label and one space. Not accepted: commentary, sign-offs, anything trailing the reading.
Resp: 3:18
